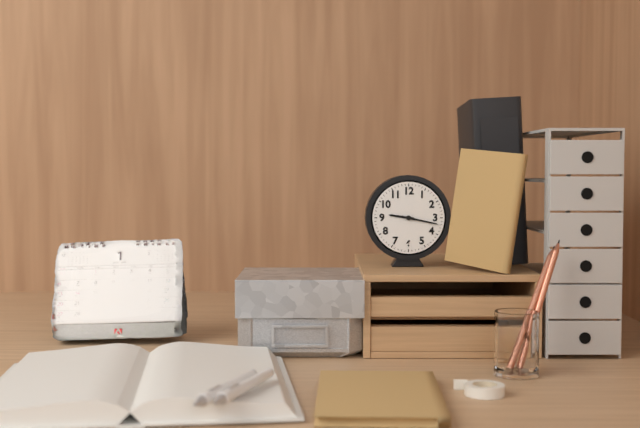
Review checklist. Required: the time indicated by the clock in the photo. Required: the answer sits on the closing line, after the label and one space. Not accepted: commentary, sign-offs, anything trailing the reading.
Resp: 9:17
